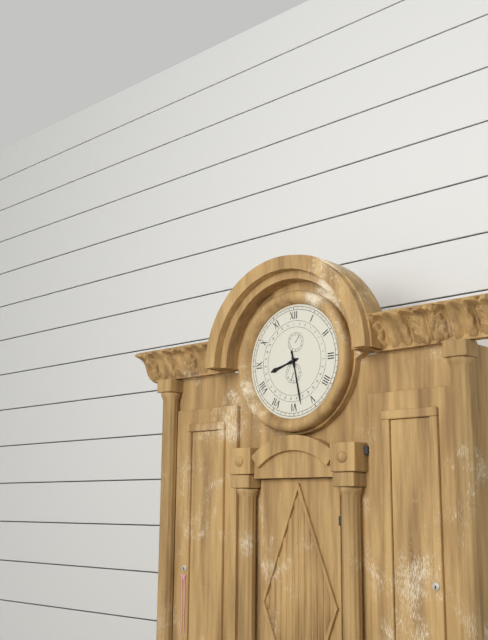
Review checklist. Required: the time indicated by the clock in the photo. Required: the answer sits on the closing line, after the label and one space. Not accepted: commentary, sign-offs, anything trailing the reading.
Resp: 8:28
